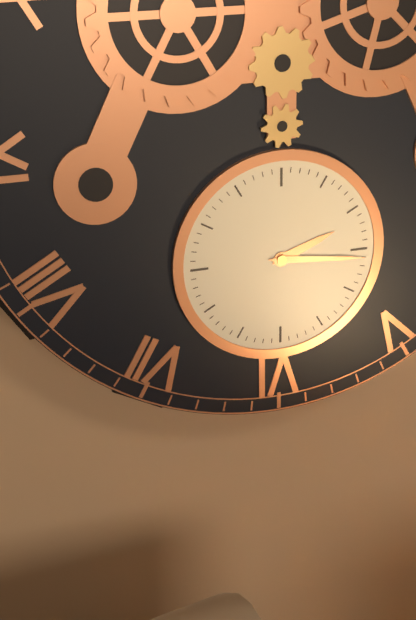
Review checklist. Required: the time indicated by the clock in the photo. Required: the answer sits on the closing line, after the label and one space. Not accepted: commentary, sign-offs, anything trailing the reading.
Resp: 2:16
